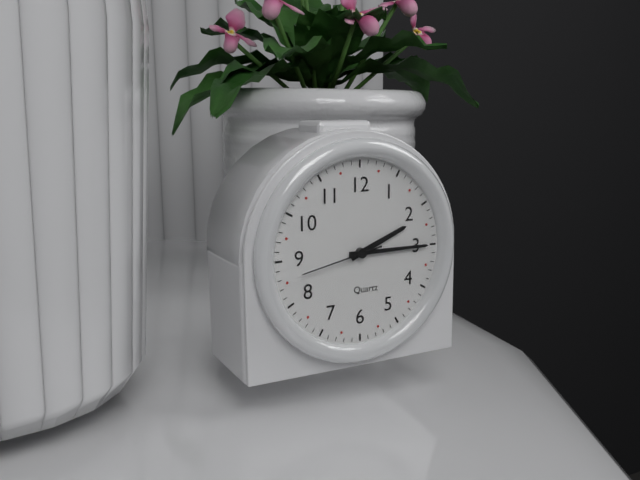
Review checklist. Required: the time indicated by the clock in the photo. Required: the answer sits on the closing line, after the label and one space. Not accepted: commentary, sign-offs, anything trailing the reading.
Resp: 2:15:43
